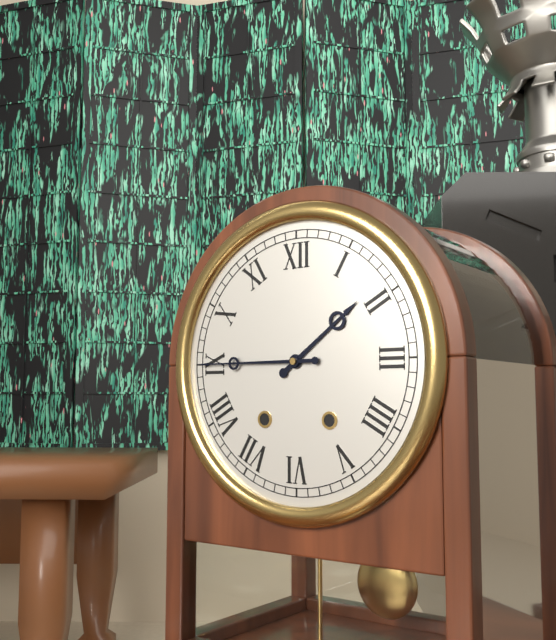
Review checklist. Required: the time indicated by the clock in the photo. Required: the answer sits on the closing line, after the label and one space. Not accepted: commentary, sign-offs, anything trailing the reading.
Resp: 1:45
